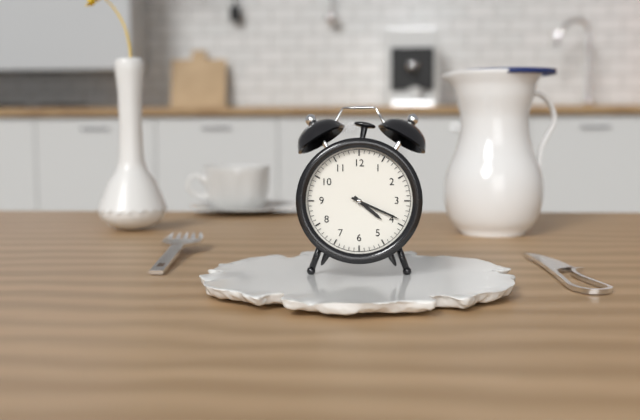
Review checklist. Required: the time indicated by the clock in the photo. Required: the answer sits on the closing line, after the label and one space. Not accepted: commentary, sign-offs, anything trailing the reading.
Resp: 4:19
